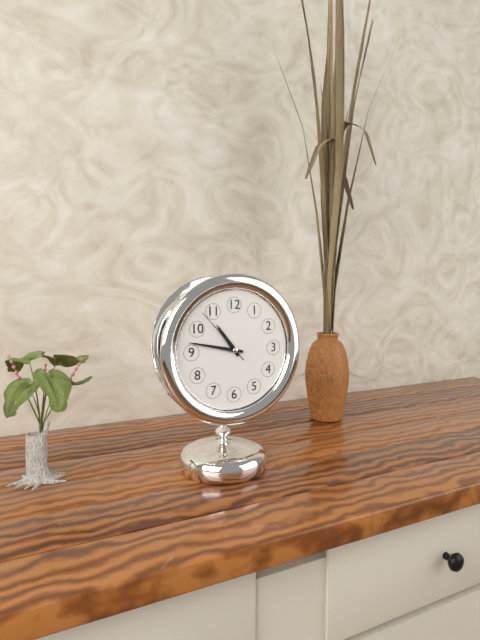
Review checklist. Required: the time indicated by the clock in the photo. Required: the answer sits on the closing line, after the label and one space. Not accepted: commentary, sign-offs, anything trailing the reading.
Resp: 10:47:53
